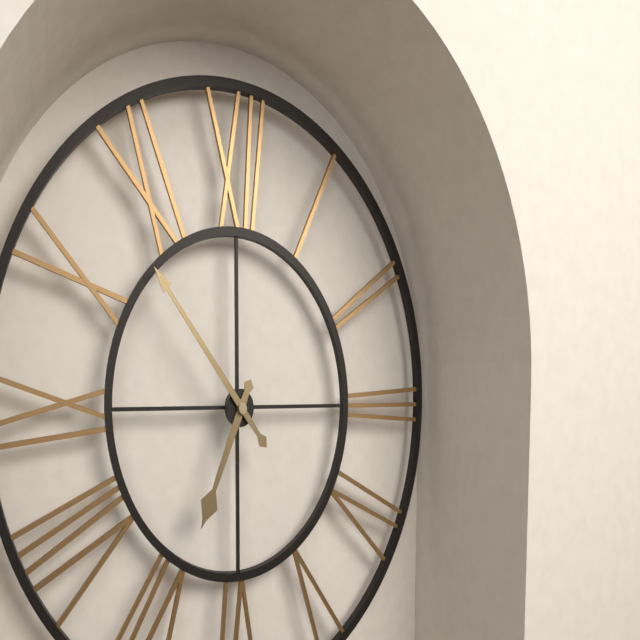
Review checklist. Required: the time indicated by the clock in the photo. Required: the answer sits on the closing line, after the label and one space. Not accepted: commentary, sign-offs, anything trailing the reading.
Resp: 6:53
